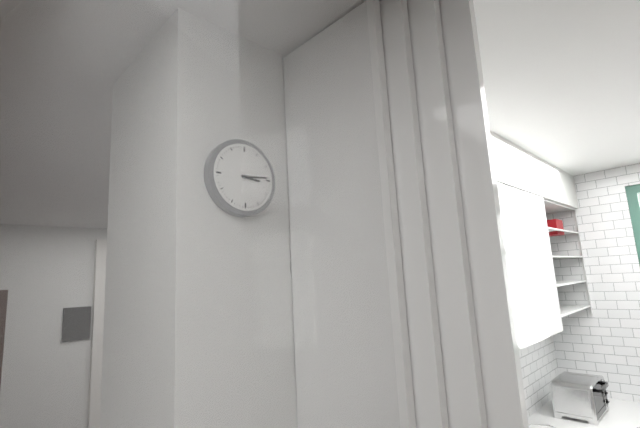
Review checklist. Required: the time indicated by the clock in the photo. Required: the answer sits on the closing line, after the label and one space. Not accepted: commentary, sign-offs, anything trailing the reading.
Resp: 3:14
